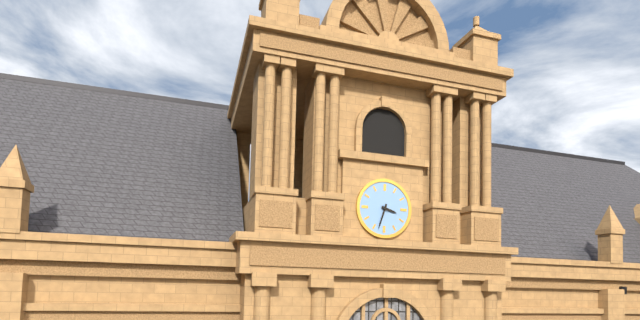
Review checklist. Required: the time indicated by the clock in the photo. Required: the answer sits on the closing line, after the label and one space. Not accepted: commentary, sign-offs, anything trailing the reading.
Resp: 3:33
